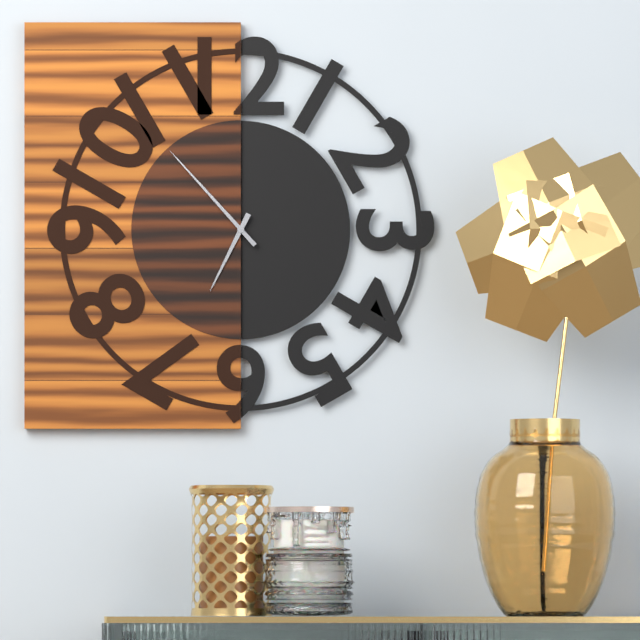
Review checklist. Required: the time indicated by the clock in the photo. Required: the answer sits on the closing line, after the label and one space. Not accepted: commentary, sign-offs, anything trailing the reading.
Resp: 6:53
